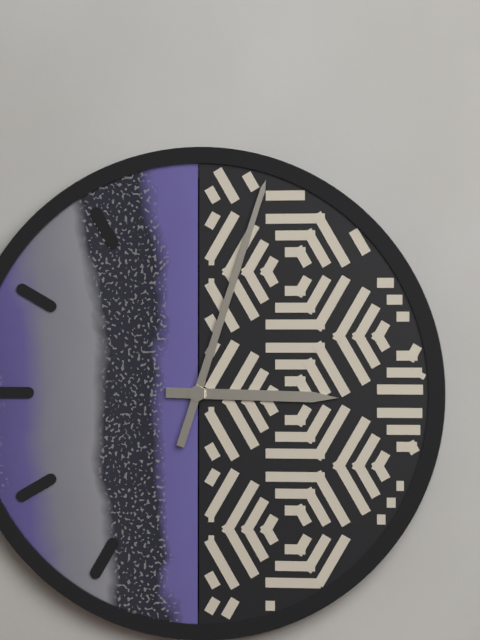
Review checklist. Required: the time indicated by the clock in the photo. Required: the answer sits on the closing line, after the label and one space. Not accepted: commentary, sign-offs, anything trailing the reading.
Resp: 3:03
